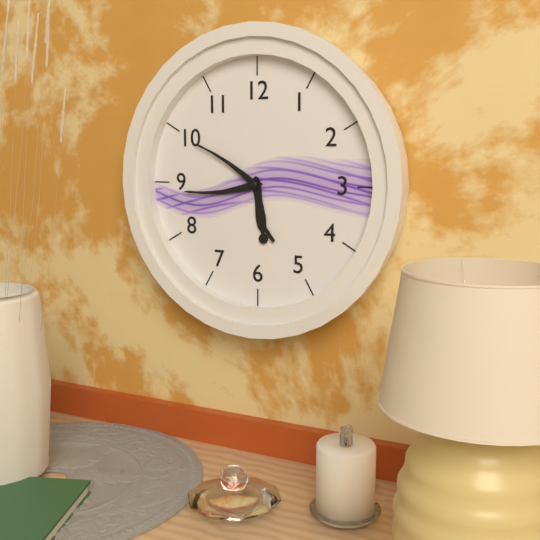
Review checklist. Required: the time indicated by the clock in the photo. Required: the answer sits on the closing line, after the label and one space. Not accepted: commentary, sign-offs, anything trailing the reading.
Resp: 5:44:50
